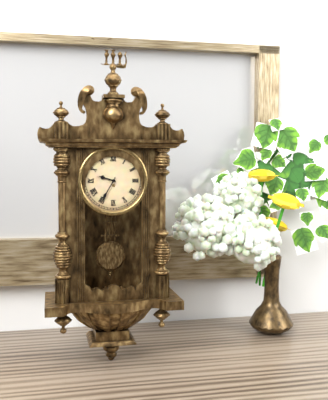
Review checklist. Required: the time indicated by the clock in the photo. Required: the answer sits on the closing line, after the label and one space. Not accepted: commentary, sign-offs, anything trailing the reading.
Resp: 9:35
